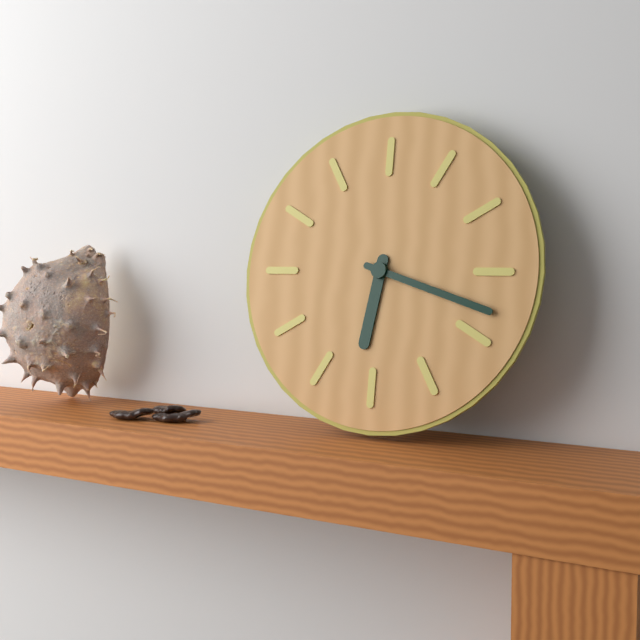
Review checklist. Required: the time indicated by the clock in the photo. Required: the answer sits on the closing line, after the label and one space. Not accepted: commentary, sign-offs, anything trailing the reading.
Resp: 6:18
